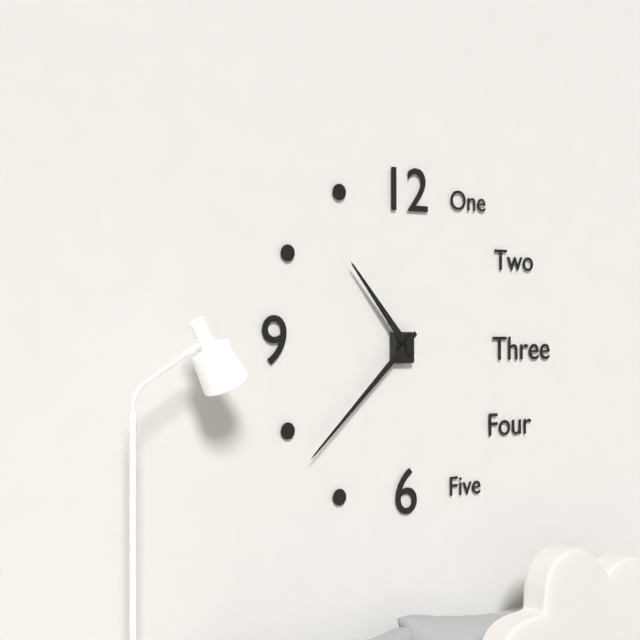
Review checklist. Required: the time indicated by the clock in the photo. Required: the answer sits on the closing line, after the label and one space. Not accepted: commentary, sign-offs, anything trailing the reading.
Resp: 10:38
